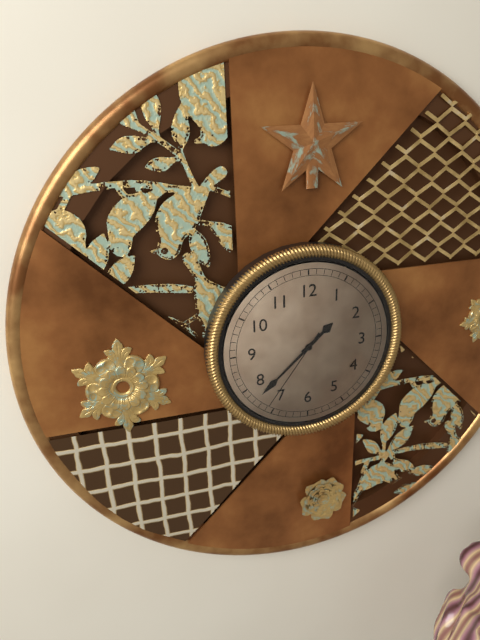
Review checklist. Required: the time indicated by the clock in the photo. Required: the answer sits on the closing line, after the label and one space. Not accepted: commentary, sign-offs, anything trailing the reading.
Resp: 1:38:36
